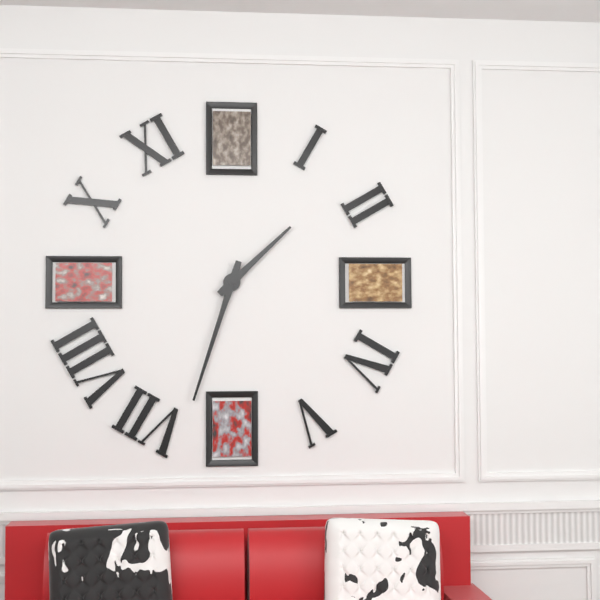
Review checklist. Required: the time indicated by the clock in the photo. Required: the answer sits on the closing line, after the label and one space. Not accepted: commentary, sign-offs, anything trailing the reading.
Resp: 1:33
